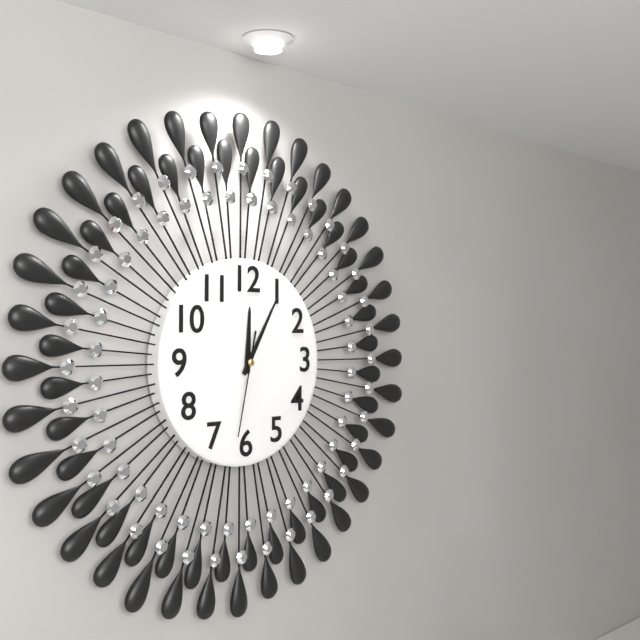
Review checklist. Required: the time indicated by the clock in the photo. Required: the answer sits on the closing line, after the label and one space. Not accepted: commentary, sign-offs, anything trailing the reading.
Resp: 12:05:32
